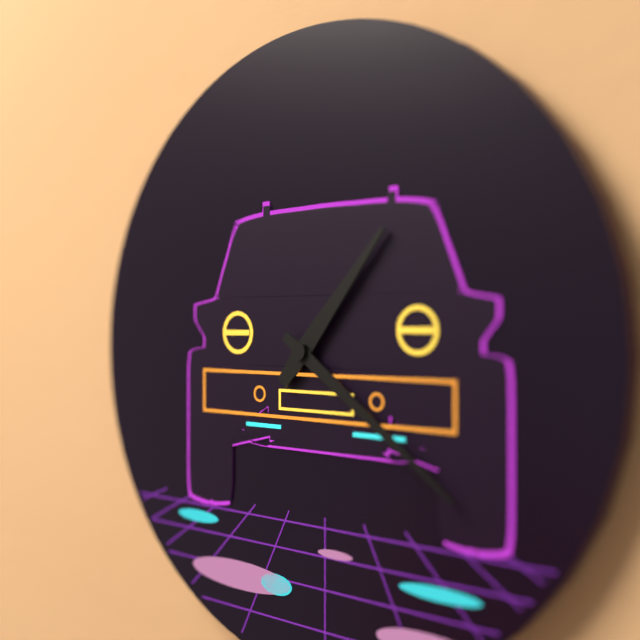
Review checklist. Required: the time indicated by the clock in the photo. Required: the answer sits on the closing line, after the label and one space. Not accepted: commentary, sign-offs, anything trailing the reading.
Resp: 1:21
